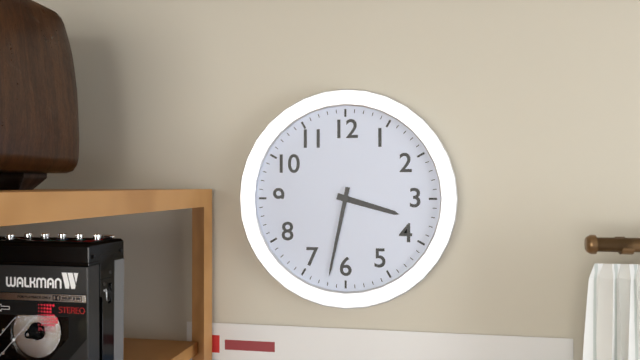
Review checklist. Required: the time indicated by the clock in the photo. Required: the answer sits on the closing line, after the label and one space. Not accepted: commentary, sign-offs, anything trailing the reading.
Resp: 3:32
